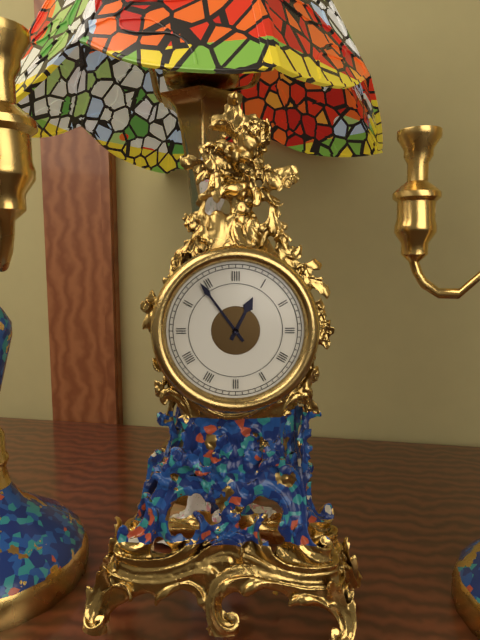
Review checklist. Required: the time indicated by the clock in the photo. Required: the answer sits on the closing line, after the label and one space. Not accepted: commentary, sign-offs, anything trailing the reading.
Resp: 12:54
